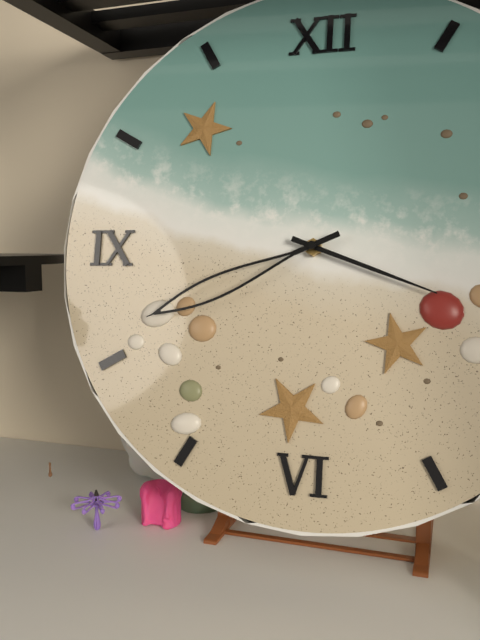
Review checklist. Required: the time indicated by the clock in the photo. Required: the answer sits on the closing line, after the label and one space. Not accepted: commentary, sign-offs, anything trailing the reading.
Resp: 3:41
